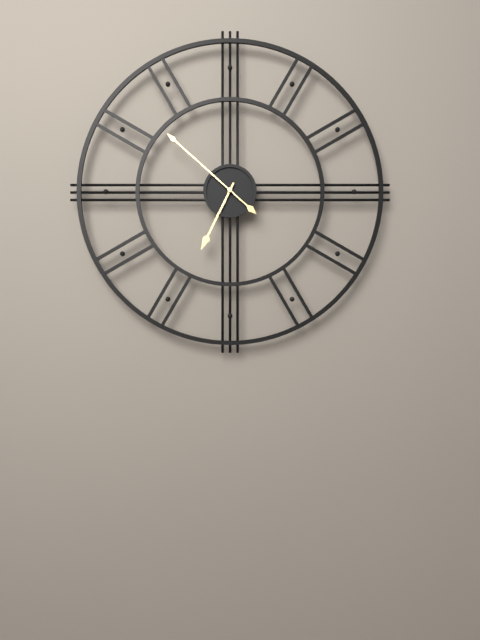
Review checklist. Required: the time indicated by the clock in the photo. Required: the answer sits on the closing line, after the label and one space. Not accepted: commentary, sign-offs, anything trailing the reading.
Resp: 6:52
